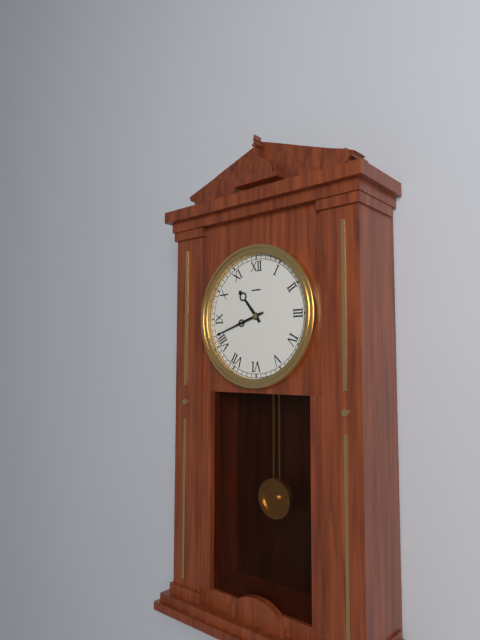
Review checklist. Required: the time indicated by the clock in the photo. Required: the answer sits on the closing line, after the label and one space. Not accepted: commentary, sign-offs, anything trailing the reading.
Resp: 10:42
